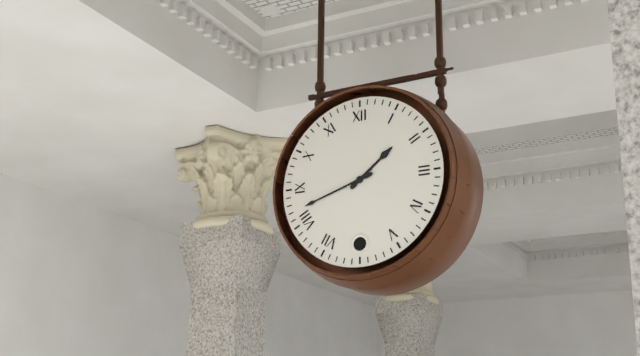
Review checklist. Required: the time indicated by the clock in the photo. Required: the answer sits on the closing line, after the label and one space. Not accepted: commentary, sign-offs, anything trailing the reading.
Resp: 1:42
